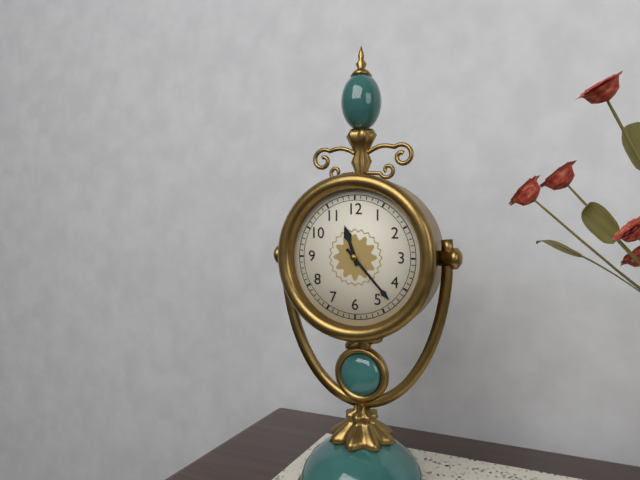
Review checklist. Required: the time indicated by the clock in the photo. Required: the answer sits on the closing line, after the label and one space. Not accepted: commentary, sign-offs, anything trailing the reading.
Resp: 11:23
